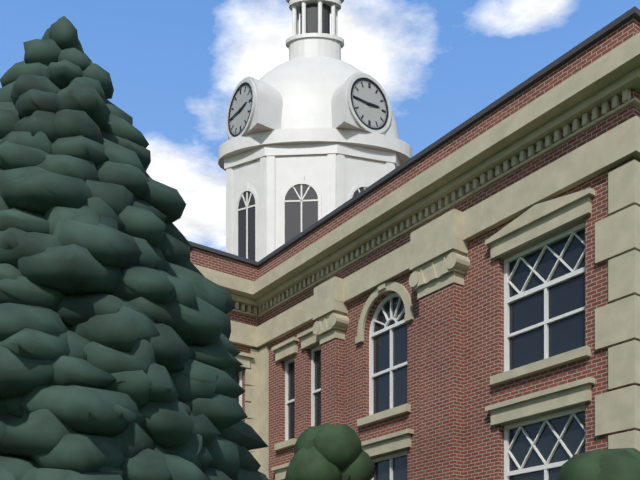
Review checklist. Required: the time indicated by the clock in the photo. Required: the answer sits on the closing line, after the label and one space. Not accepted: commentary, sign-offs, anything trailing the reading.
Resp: 2:45
